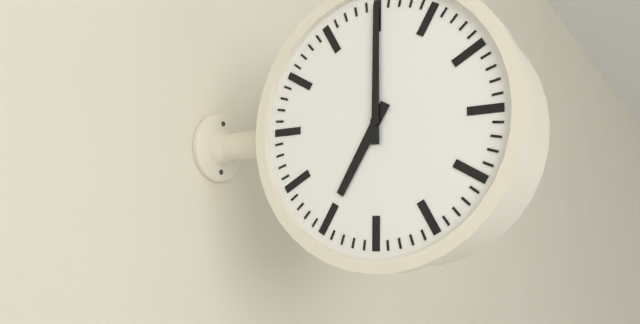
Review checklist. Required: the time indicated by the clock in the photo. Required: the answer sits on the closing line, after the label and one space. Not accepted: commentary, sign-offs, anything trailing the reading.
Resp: 7:00
